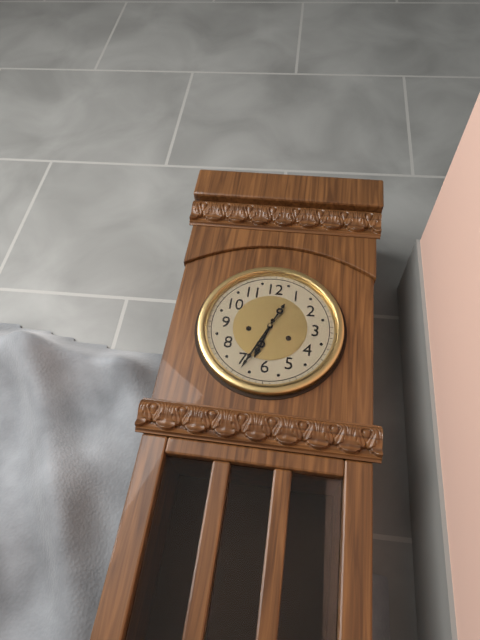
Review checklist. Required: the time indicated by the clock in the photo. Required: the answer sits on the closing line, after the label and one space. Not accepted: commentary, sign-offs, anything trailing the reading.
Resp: 6:34
